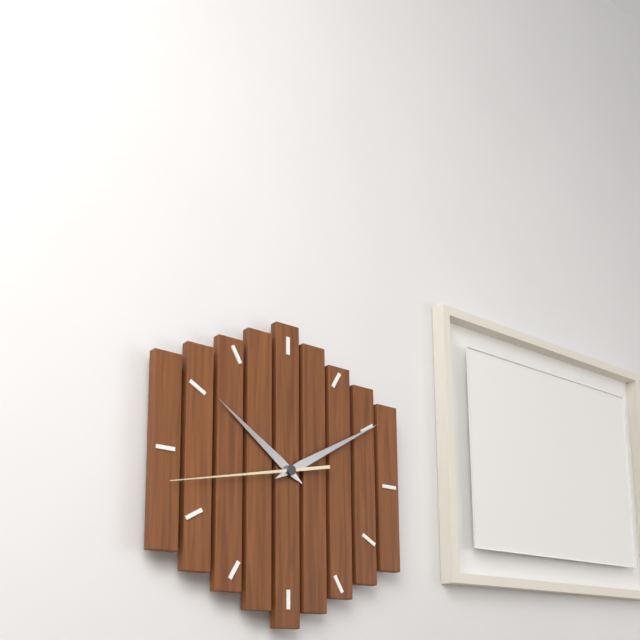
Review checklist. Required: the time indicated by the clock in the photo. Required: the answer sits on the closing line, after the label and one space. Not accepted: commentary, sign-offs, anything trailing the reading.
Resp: 10:10:43
